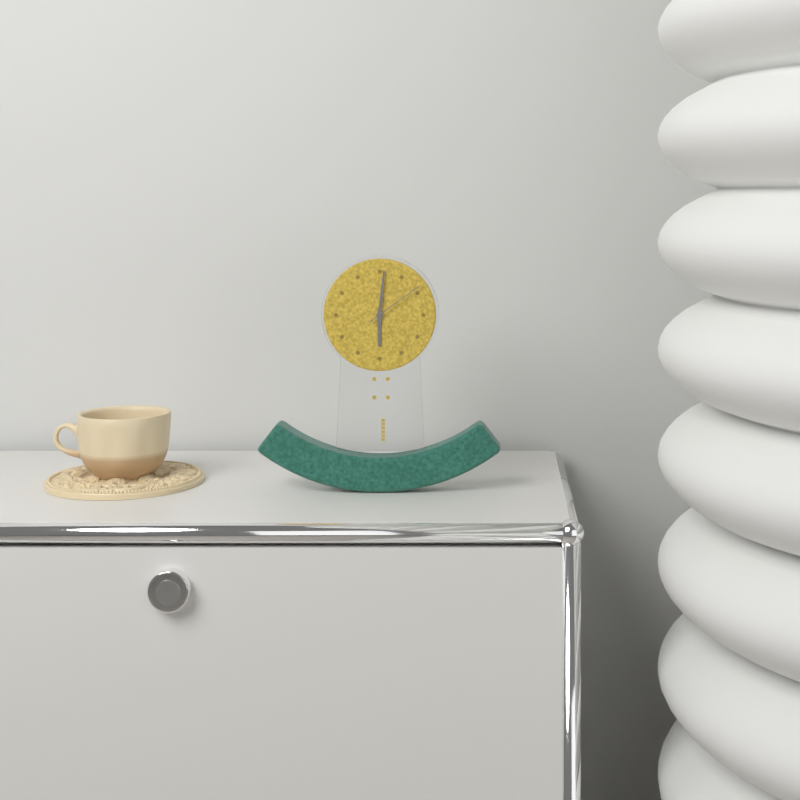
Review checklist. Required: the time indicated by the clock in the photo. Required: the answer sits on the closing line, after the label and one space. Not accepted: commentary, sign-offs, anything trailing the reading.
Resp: 6:01:09
